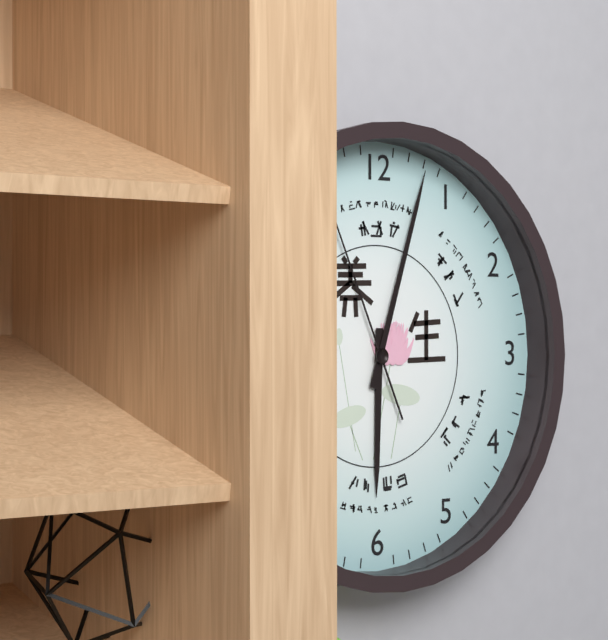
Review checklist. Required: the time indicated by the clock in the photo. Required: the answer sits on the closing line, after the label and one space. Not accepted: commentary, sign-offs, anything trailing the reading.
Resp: 6:03:56
